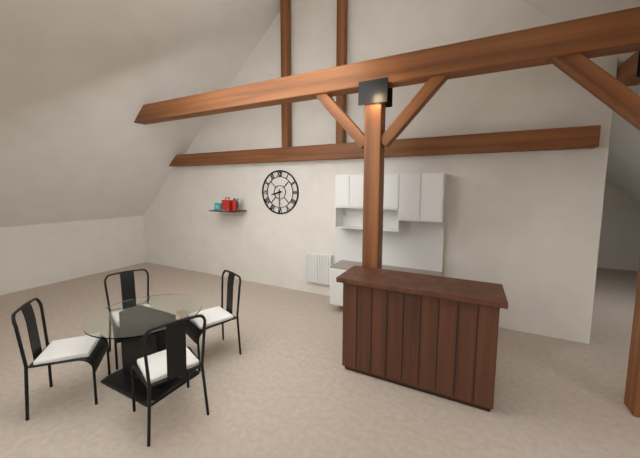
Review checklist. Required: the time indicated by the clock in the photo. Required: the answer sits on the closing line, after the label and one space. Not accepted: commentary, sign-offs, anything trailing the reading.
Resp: 8:30
